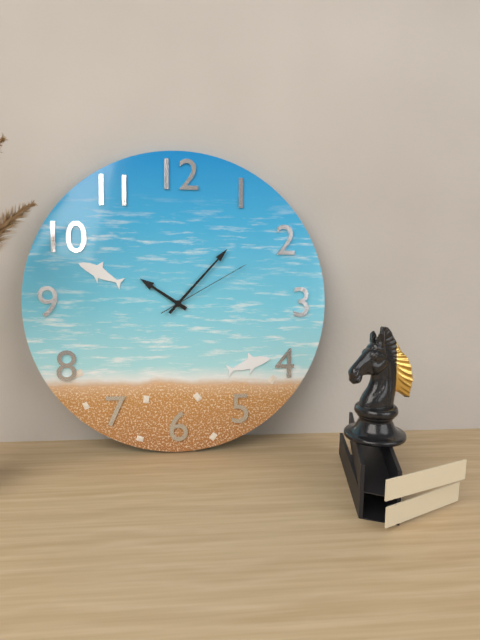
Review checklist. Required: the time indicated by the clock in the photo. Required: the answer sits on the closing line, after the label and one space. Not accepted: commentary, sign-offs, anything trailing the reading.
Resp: 10:07:10
